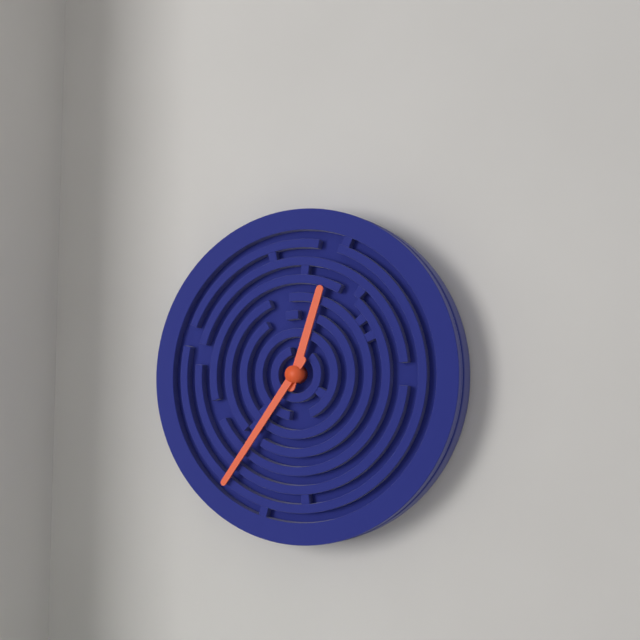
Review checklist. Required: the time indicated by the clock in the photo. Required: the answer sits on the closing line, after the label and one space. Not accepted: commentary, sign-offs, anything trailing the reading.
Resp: 12:36
